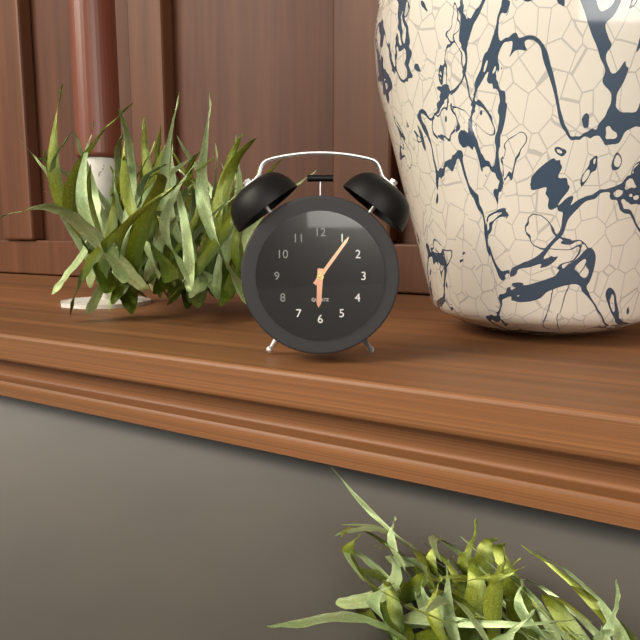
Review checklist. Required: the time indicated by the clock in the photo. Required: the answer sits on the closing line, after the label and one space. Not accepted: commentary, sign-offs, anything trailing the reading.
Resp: 6:06
